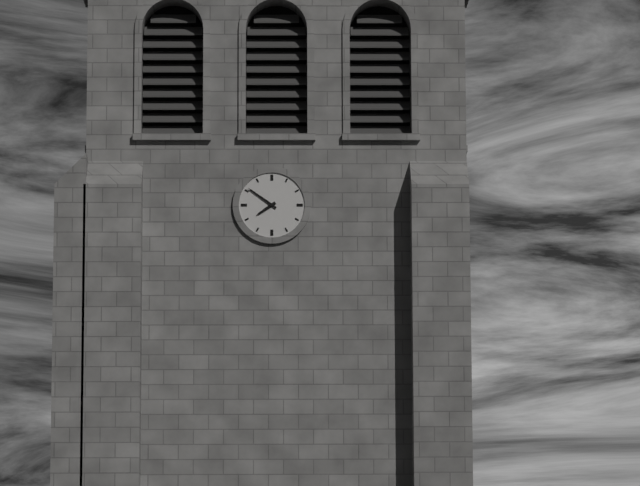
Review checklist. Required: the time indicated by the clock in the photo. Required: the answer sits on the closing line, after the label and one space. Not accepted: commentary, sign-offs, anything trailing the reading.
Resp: 7:51
